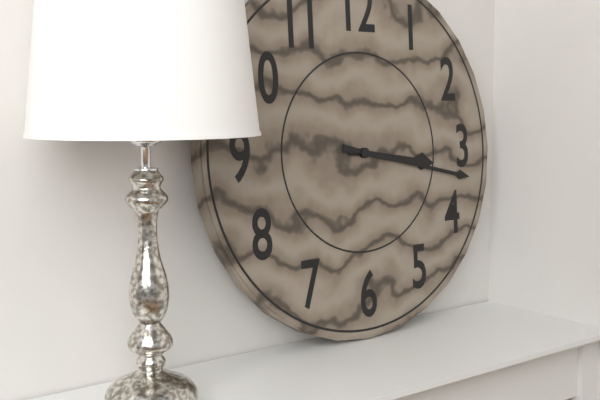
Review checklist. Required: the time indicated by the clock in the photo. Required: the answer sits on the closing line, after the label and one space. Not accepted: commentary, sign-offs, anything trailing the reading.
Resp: 3:17
